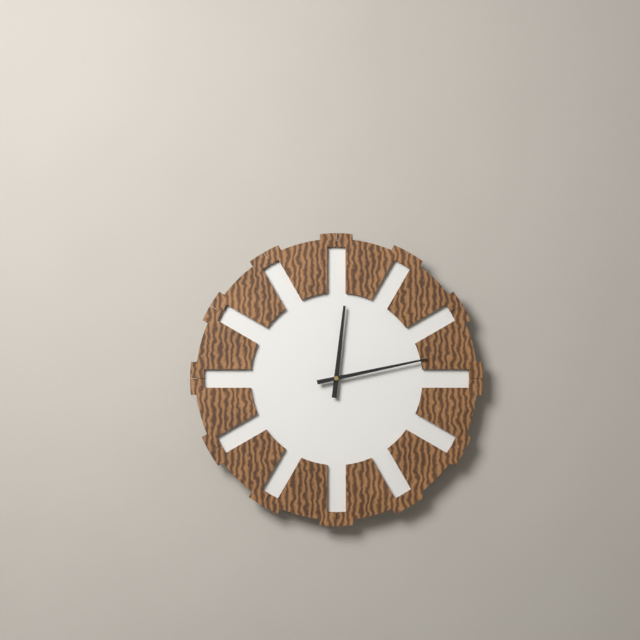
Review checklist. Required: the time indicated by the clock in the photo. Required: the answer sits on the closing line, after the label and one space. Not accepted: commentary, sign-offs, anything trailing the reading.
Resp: 12:13
